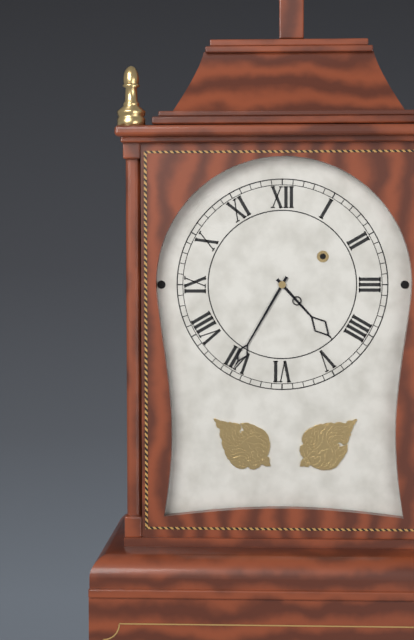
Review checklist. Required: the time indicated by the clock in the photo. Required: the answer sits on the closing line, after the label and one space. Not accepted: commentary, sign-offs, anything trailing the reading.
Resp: 4:35
